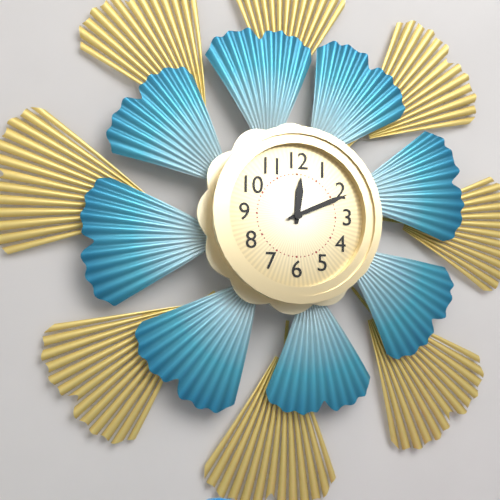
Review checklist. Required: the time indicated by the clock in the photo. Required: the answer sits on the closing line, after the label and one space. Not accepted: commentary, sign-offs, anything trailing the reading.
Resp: 12:11
